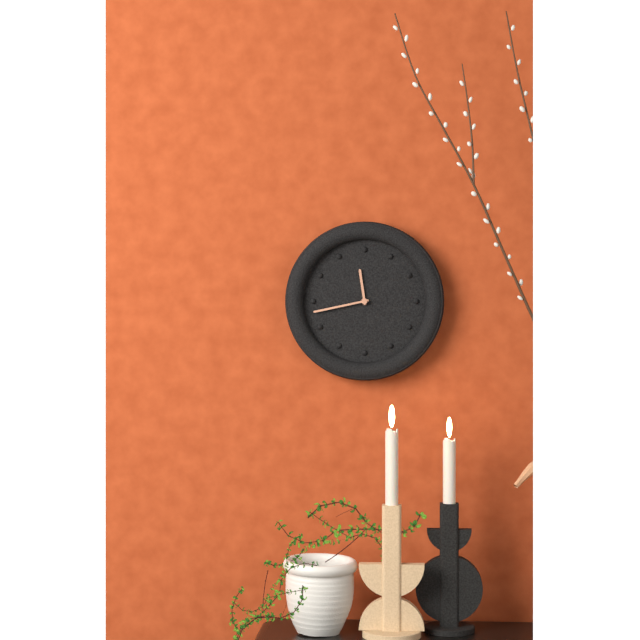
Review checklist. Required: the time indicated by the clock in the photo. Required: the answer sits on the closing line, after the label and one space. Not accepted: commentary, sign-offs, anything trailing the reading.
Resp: 11:43
